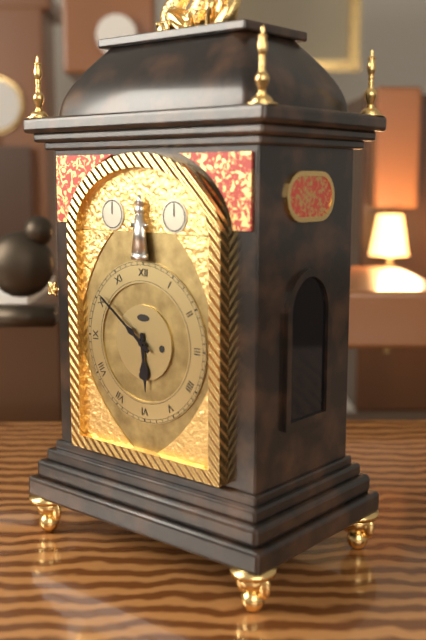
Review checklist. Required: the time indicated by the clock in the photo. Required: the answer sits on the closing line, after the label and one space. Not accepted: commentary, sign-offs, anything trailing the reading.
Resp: 5:51
